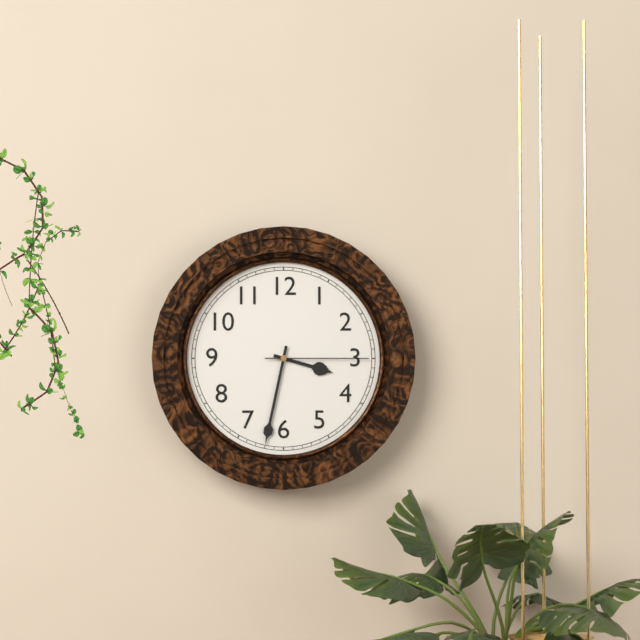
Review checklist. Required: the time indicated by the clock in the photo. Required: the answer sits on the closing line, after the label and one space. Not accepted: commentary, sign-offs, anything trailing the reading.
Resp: 3:32:15
